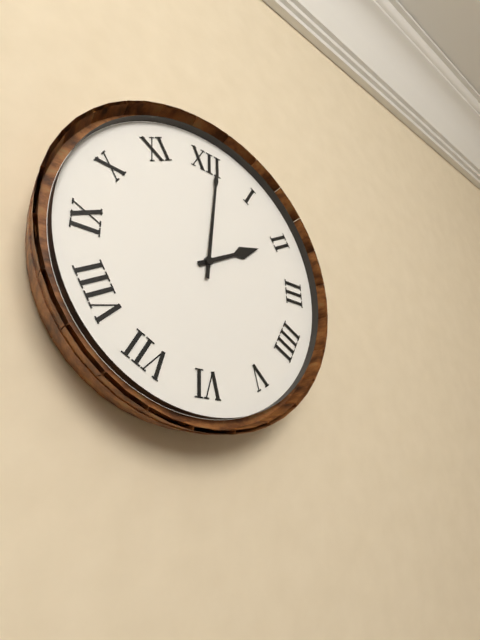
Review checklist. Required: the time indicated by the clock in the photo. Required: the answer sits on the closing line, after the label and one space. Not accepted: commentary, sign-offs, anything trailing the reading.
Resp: 2:01
